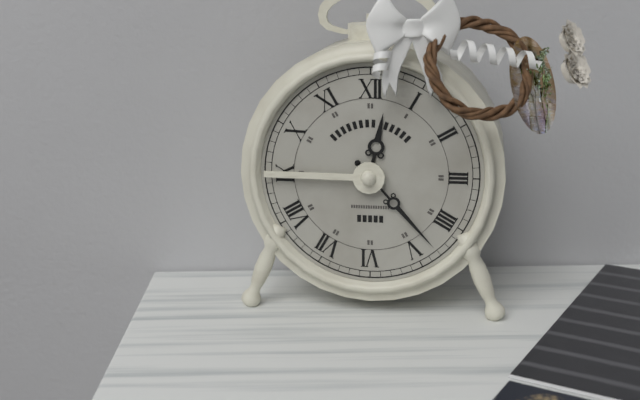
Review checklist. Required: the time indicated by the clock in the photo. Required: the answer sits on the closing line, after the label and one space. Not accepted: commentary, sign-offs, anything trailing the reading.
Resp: 12:23
